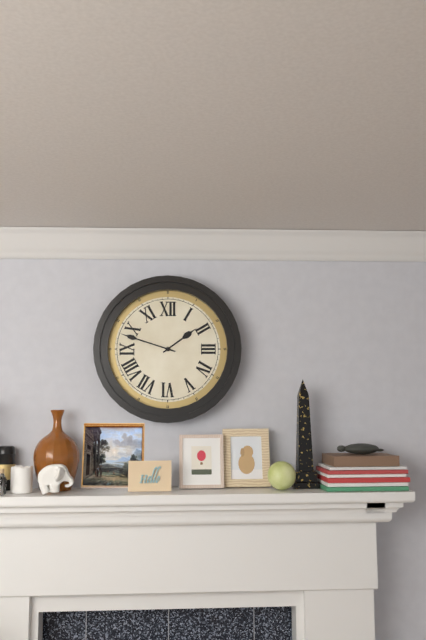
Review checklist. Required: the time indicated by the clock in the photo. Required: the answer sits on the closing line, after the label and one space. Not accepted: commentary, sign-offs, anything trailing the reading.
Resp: 1:48
